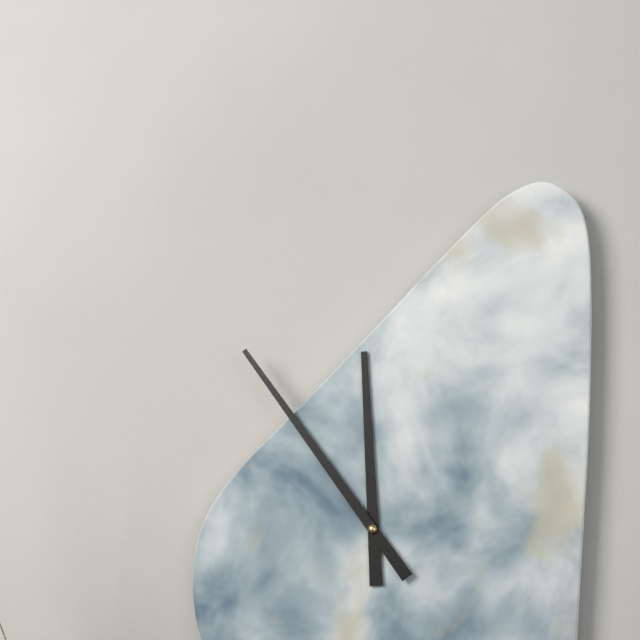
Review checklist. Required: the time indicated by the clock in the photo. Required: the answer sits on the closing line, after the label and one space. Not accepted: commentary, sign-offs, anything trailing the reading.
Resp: 11:54
